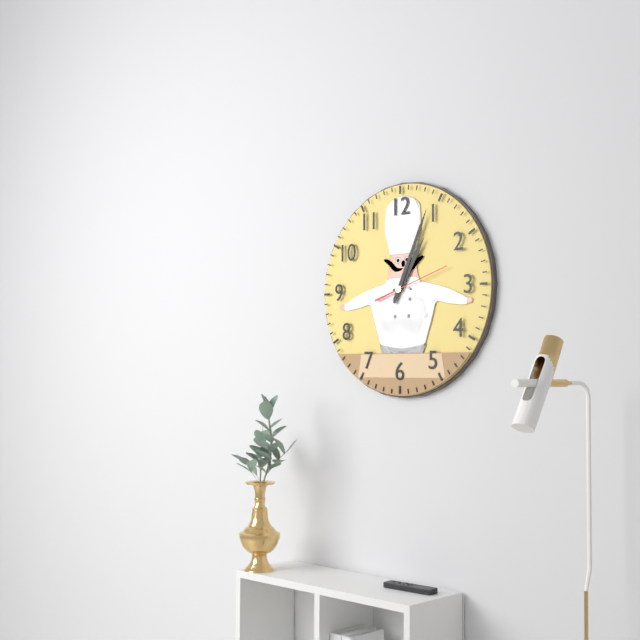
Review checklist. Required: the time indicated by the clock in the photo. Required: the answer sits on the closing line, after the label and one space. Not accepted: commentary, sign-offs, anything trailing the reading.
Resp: 1:04:12
